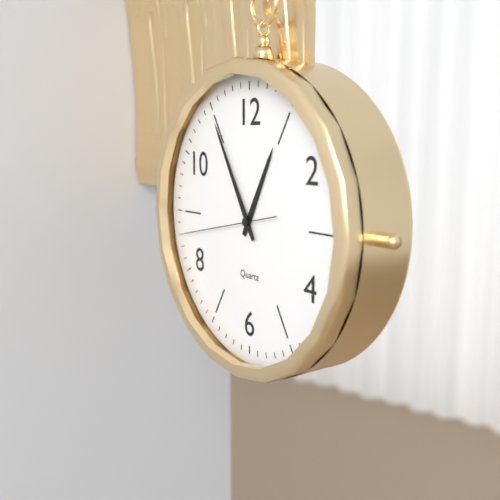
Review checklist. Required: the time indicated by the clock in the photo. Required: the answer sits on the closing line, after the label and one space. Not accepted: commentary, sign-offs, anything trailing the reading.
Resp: 12:55:43
